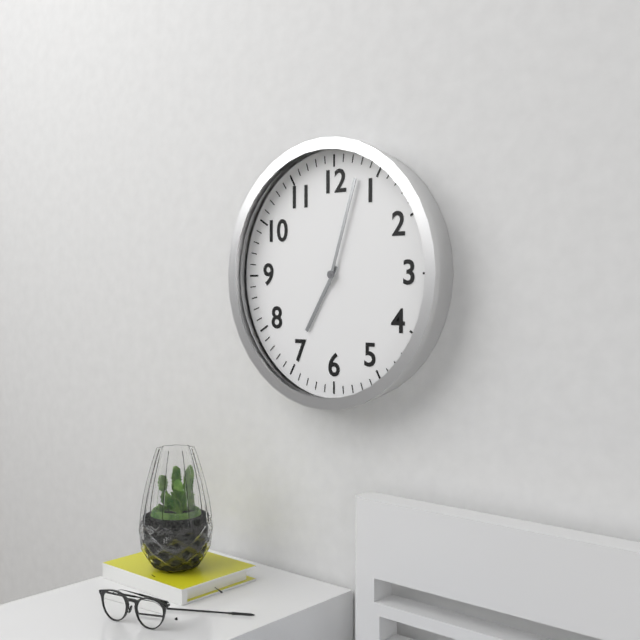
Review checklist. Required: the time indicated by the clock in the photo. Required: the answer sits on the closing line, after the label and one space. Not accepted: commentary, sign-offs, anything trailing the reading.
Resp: 7:03
